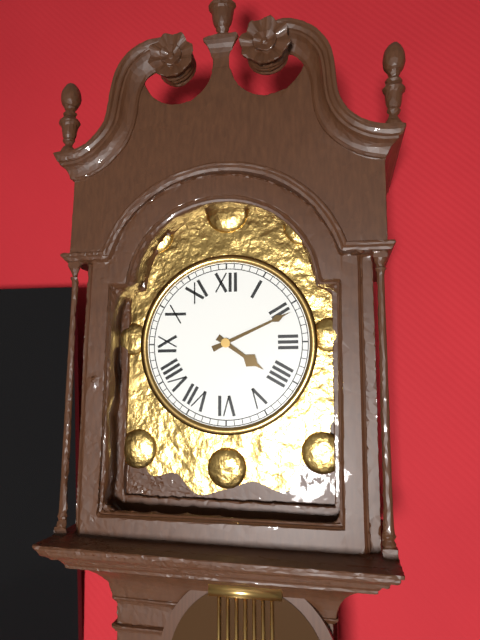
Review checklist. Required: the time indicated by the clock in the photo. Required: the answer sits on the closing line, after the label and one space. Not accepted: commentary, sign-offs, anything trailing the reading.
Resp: 4:11
